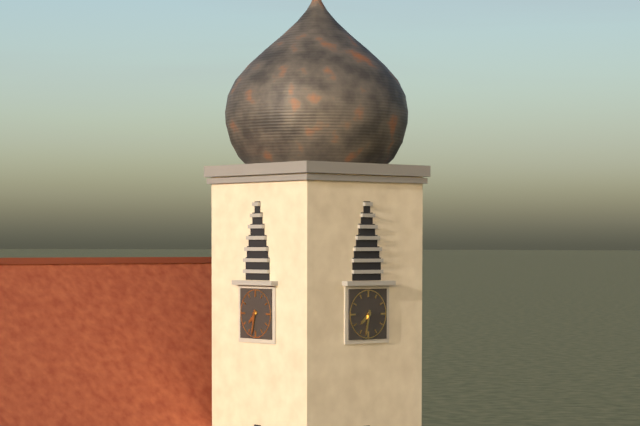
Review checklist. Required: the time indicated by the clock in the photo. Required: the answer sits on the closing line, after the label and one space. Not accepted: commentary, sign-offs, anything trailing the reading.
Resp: 7:32
